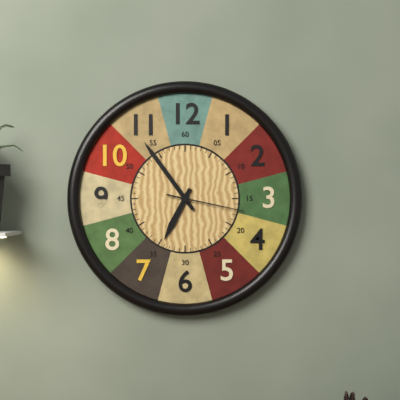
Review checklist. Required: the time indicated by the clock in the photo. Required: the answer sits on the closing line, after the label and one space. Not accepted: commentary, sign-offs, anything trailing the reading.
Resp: 6:54:17
